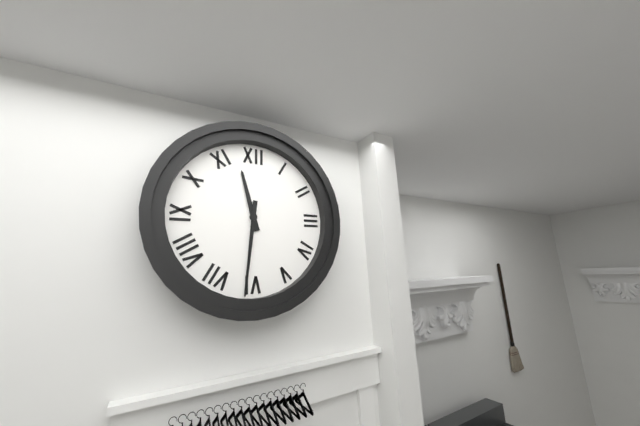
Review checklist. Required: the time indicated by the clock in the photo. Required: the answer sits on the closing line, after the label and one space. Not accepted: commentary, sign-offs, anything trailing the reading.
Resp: 11:31
